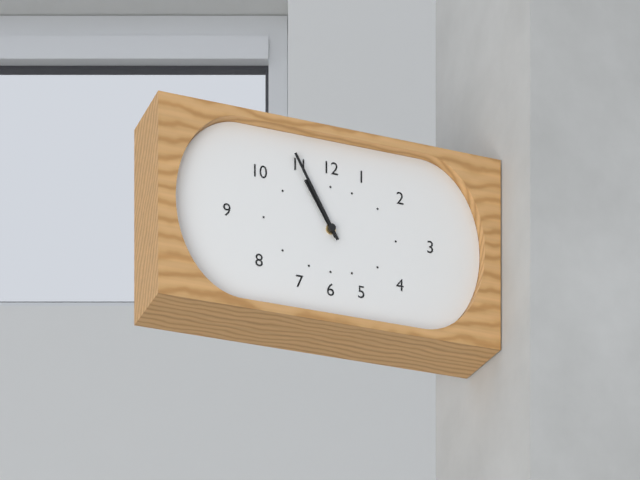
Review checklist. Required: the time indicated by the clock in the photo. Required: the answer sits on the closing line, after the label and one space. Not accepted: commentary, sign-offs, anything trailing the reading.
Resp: 10:55
